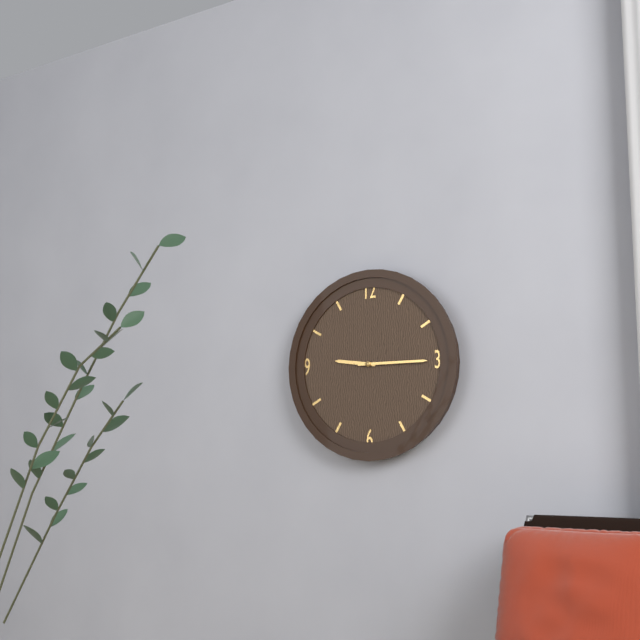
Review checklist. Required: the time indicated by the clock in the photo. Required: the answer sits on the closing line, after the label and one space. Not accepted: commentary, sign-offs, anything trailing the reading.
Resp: 9:15
